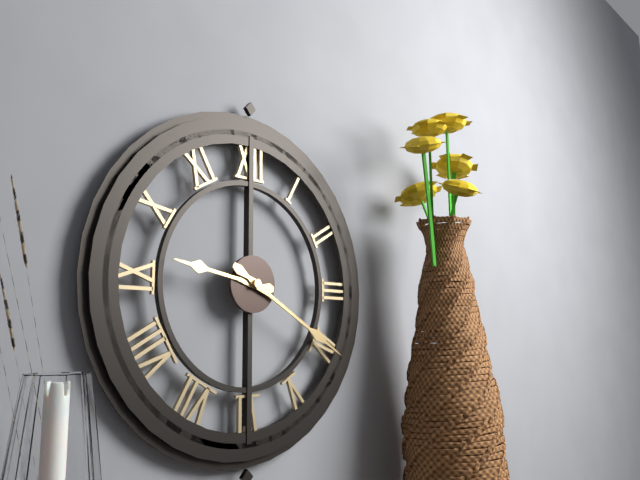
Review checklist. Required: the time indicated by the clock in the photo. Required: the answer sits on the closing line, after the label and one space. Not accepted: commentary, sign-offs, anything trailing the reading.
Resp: 9:20
